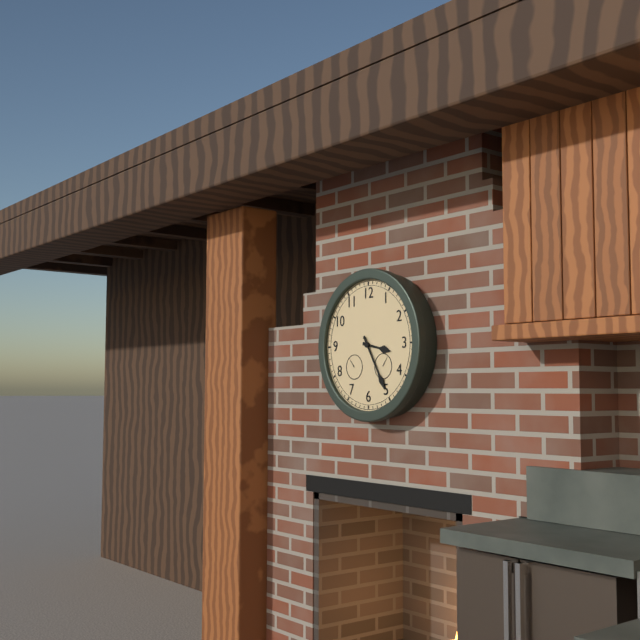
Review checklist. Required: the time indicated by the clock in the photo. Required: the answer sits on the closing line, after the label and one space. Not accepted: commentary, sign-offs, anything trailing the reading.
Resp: 3:25
